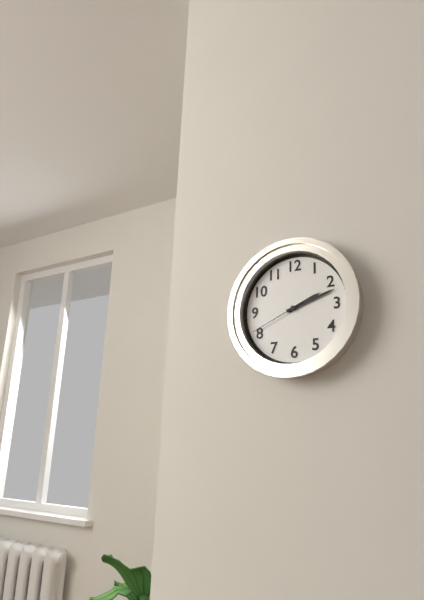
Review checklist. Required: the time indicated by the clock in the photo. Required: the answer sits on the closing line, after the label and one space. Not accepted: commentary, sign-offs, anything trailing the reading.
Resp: 2:12:41
